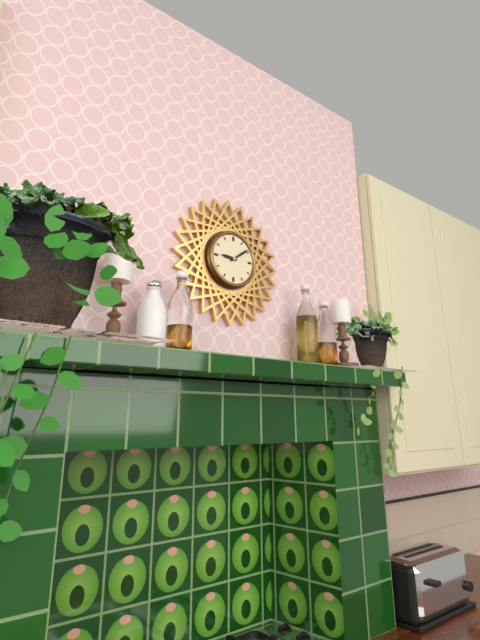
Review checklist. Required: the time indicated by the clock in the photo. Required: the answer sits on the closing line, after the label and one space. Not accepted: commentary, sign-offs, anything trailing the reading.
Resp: 9:09
